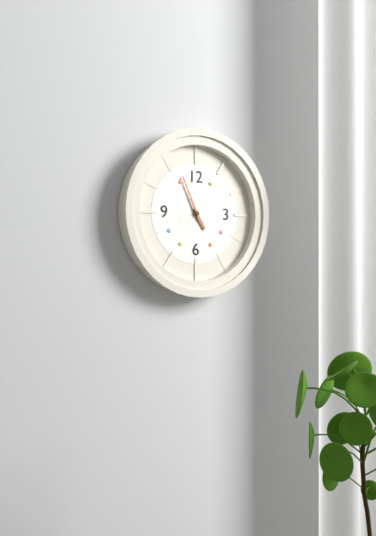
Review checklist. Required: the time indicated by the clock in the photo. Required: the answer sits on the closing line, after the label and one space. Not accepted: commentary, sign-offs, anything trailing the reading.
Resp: 4:56
